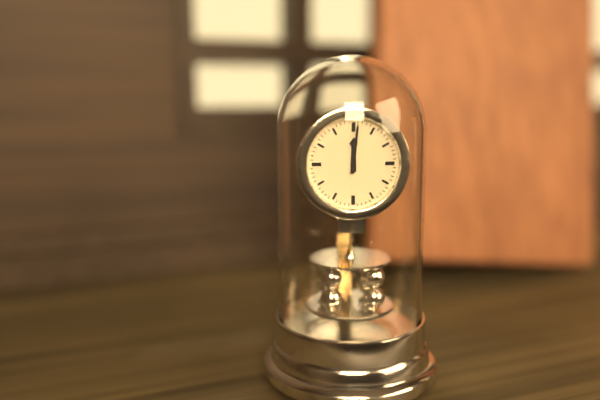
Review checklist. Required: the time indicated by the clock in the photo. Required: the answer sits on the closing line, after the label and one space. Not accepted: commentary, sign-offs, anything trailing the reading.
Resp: 12:01
